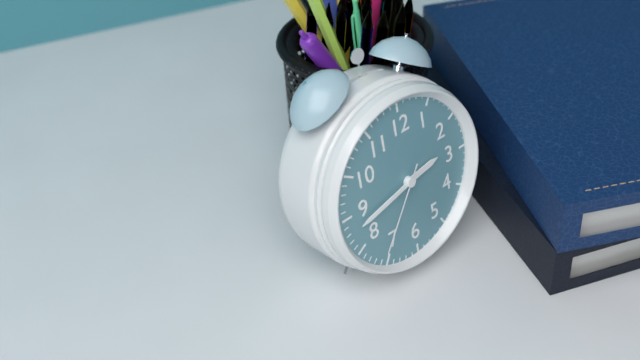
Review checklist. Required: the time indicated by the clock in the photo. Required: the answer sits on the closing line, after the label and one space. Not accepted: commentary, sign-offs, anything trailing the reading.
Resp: 2:43:36
